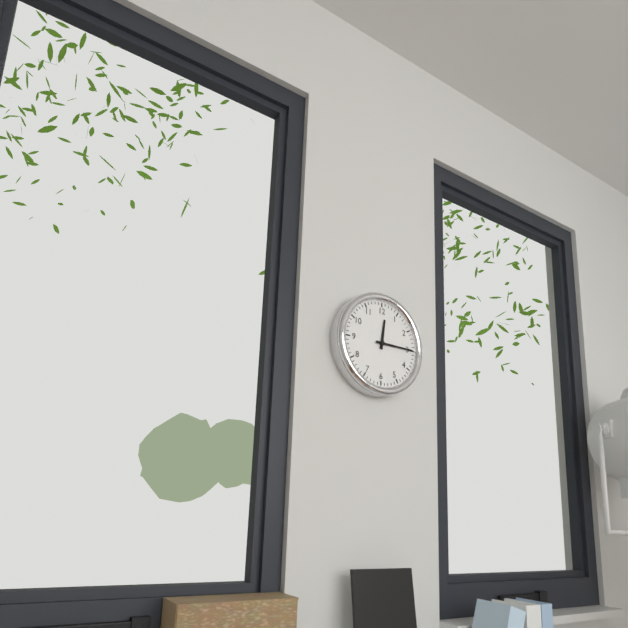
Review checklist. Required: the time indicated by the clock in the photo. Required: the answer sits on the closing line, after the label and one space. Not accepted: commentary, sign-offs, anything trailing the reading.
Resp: 12:15
